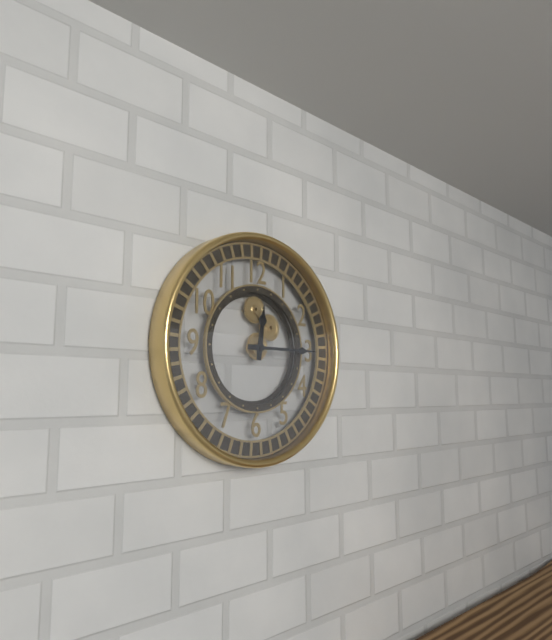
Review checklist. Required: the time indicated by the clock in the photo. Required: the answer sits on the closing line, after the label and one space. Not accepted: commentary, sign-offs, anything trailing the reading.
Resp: 12:15
